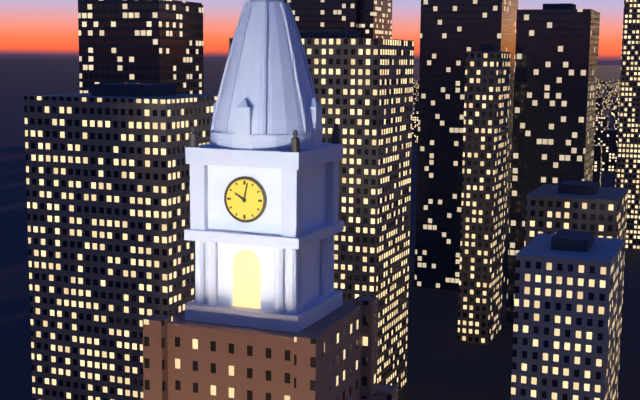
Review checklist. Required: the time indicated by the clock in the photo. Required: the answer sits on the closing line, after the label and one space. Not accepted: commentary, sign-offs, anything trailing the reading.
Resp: 10:02
